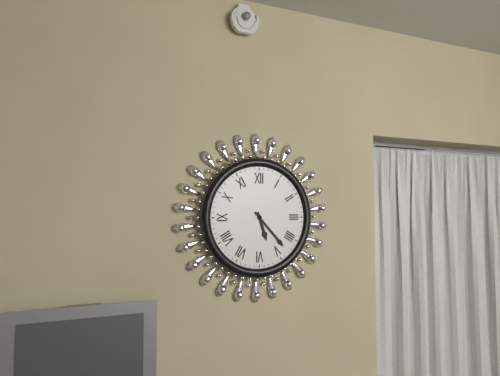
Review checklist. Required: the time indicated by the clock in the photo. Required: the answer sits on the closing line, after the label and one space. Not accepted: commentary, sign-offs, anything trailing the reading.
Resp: 5:23
